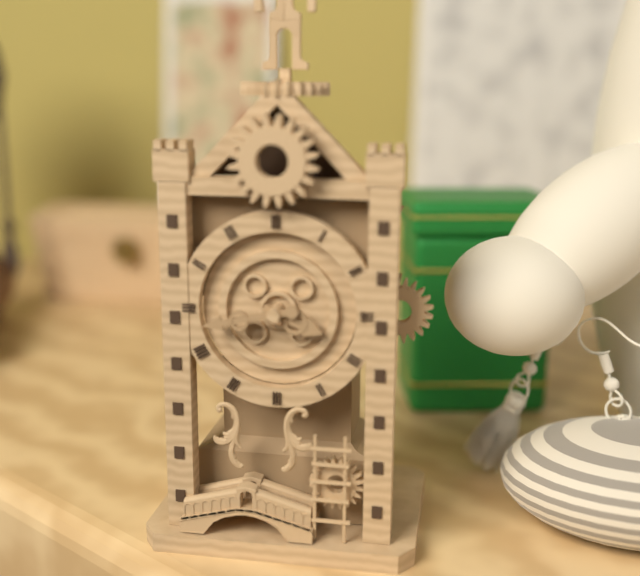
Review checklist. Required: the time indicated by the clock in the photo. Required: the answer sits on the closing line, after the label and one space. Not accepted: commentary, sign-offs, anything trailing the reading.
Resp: 3:43
